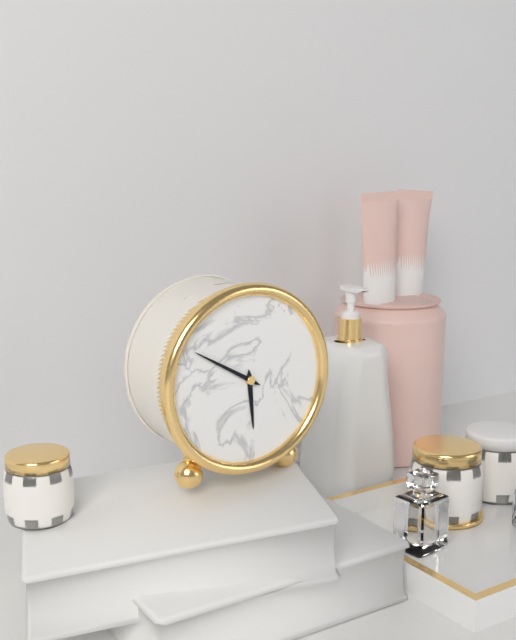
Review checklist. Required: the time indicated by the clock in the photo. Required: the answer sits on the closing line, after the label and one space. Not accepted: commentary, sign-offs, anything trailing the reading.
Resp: 5:50
